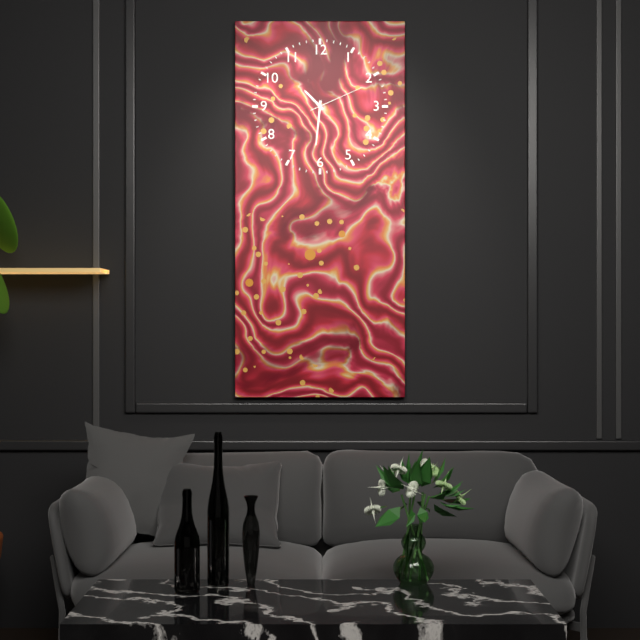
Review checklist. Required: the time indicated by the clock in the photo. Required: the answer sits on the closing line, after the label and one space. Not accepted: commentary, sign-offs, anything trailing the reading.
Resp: 10:31:11
